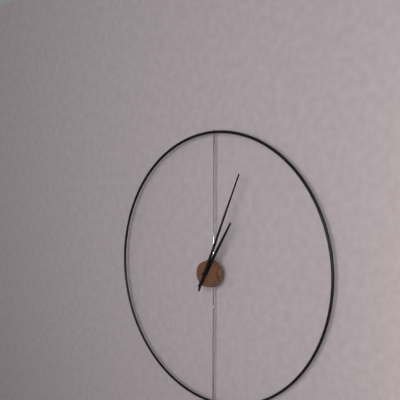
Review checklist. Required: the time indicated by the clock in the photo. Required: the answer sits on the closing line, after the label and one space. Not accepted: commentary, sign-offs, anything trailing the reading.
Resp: 1:04
